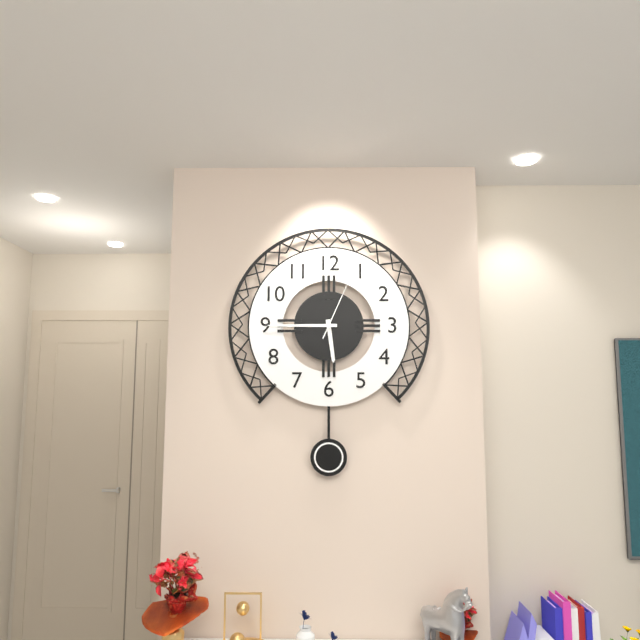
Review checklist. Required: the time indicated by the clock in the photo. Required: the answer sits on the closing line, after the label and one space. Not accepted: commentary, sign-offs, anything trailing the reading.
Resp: 5:45:04
